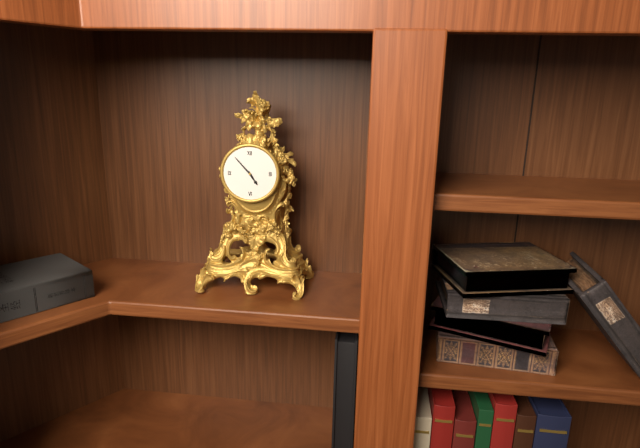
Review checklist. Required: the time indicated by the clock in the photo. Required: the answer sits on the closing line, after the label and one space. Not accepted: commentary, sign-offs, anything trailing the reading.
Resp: 4:53
